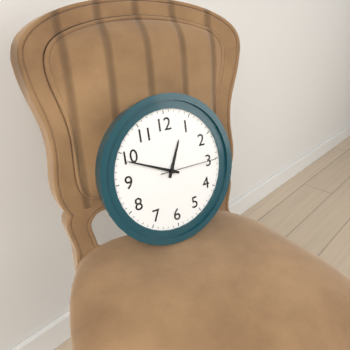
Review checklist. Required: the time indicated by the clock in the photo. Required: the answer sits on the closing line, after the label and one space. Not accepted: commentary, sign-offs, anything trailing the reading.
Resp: 12:49:15
